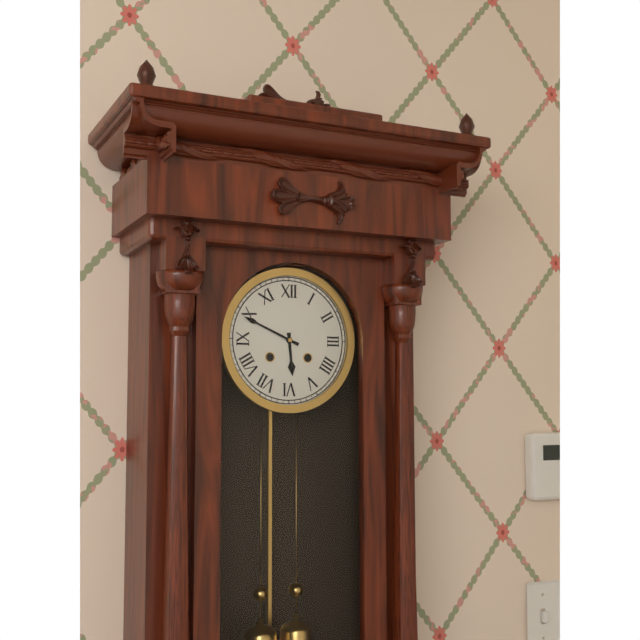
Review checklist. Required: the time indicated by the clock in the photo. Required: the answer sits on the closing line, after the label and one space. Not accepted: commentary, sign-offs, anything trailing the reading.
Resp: 5:49
